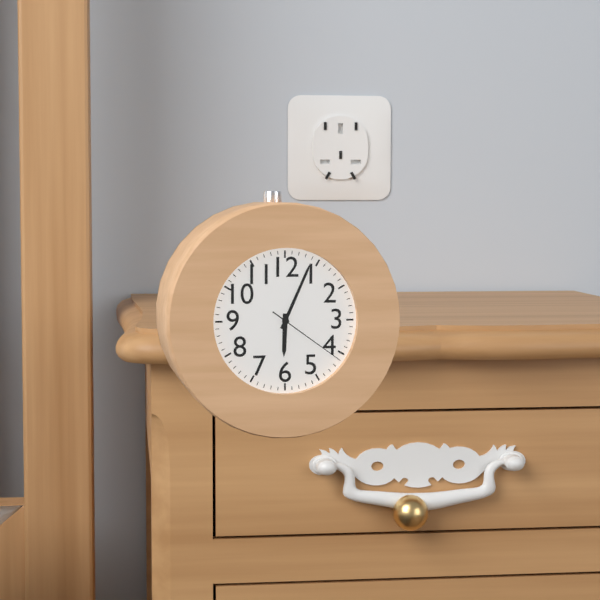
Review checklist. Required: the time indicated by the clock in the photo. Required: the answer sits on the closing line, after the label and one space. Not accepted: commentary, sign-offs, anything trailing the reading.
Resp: 6:04:21
